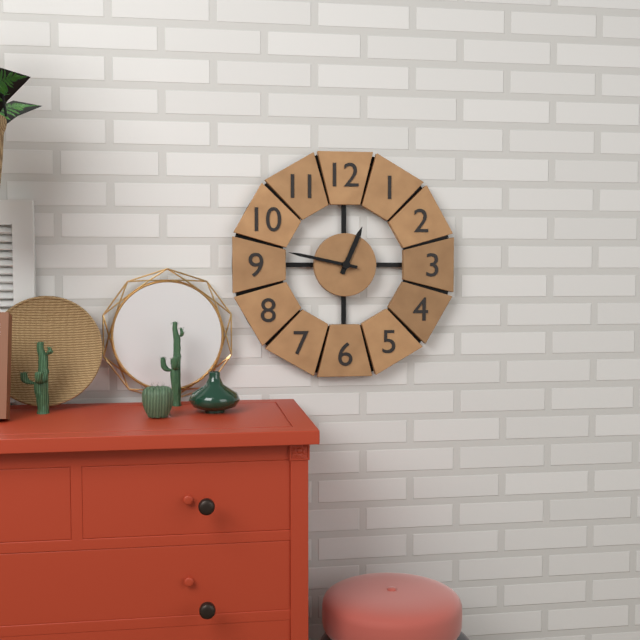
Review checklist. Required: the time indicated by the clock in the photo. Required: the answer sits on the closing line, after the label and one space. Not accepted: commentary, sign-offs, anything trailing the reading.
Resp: 12:47
